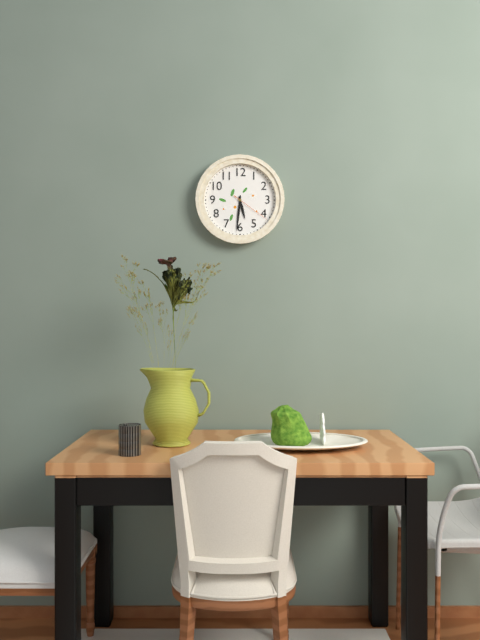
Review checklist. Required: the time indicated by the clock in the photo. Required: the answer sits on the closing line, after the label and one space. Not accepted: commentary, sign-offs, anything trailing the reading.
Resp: 5:31
